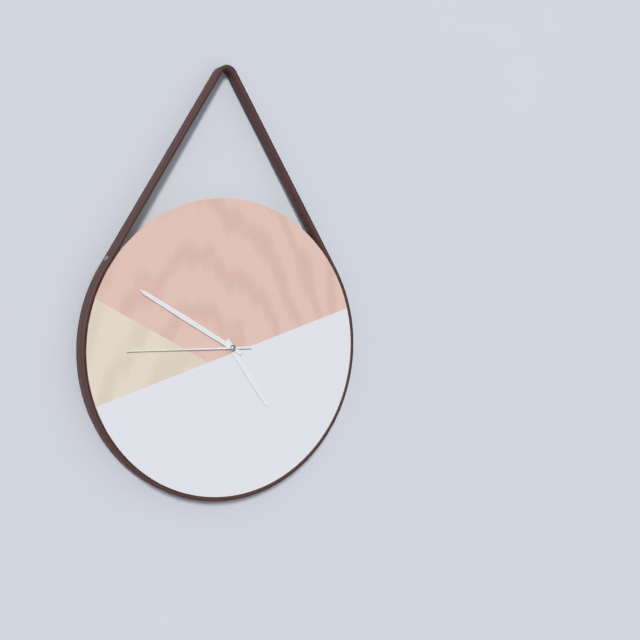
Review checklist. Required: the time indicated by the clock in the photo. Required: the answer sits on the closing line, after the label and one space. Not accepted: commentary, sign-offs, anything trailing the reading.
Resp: 4:50:45
